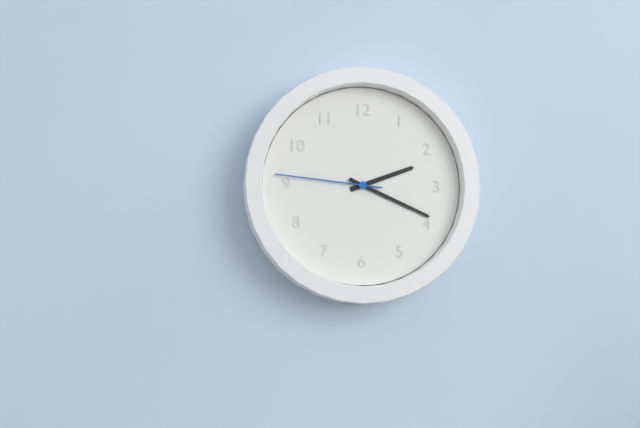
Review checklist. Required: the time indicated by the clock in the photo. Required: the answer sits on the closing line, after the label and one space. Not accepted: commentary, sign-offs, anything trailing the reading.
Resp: 2:19:46
